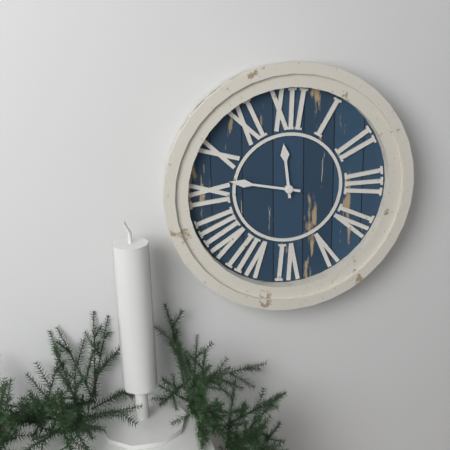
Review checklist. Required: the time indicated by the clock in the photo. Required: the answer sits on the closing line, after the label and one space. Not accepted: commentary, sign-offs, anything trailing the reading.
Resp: 11:47
